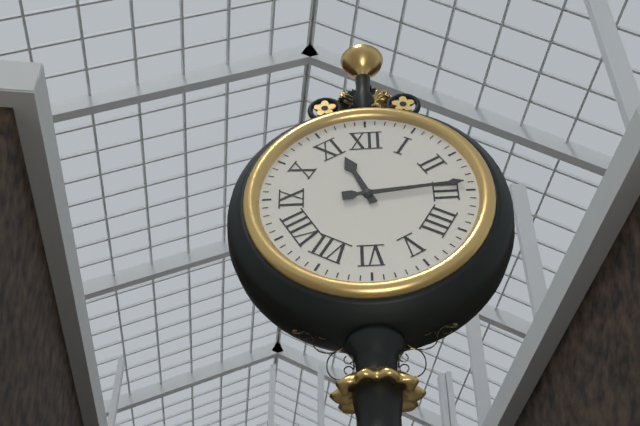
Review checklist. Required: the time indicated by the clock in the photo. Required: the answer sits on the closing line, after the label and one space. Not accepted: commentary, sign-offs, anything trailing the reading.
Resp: 11:14
